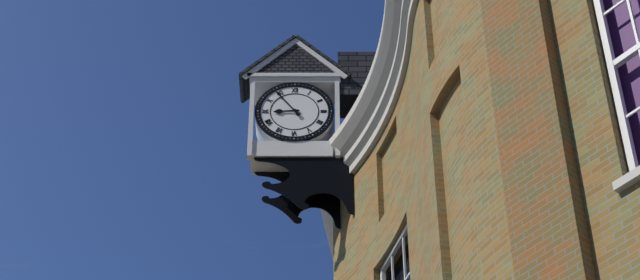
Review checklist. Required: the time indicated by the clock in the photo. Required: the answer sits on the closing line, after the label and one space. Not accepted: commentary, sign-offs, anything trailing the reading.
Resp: 8:54
